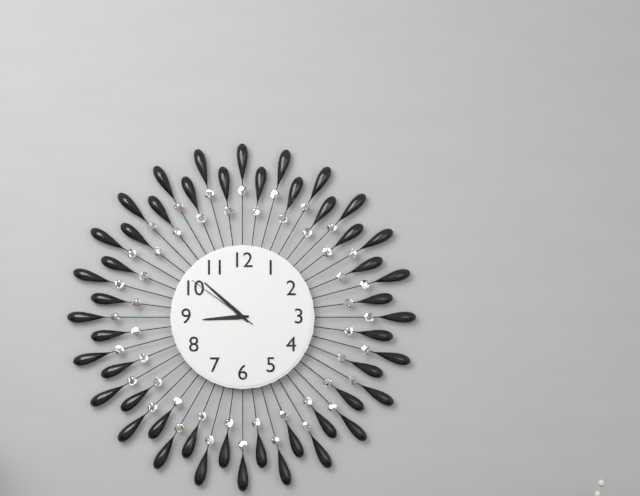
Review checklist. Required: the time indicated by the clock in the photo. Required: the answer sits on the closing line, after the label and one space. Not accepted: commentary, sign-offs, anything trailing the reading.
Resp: 8:52:51
